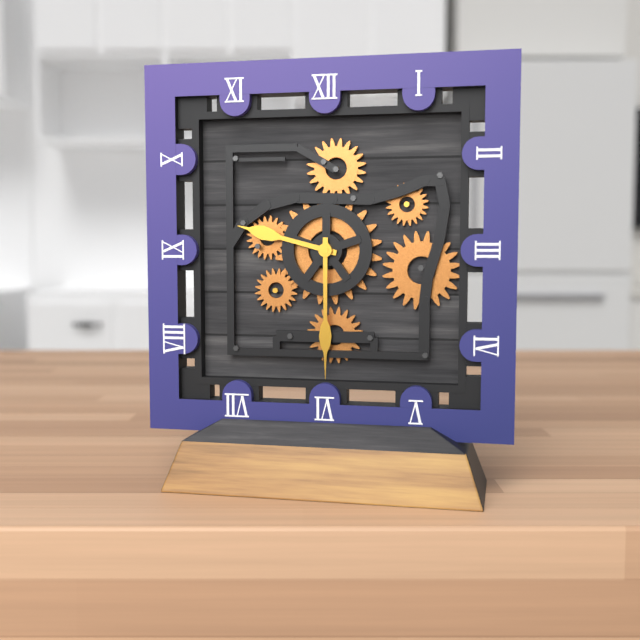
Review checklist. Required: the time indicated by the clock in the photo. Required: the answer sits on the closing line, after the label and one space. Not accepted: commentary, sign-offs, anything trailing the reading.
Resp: 9:30
